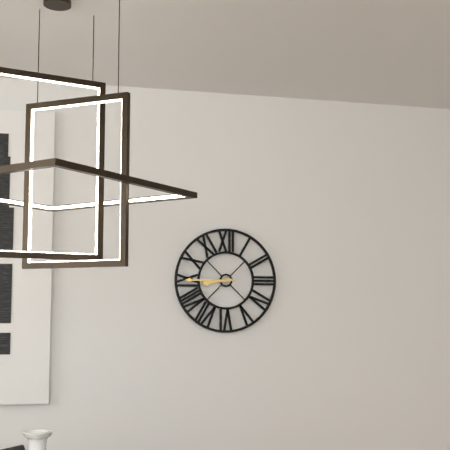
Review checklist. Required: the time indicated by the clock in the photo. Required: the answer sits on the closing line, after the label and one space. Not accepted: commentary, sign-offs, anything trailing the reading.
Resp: 8:45
